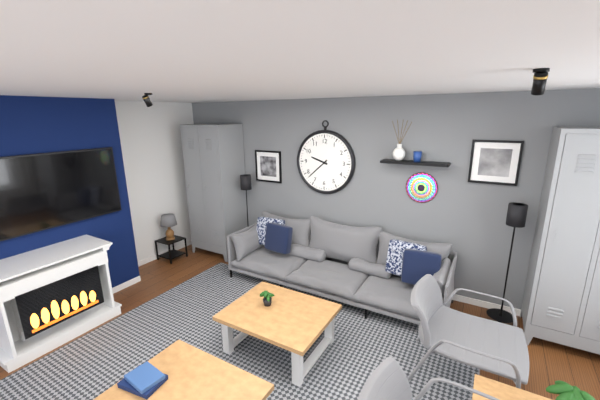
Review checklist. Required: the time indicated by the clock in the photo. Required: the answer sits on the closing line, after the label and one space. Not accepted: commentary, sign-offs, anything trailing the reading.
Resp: 9:38
